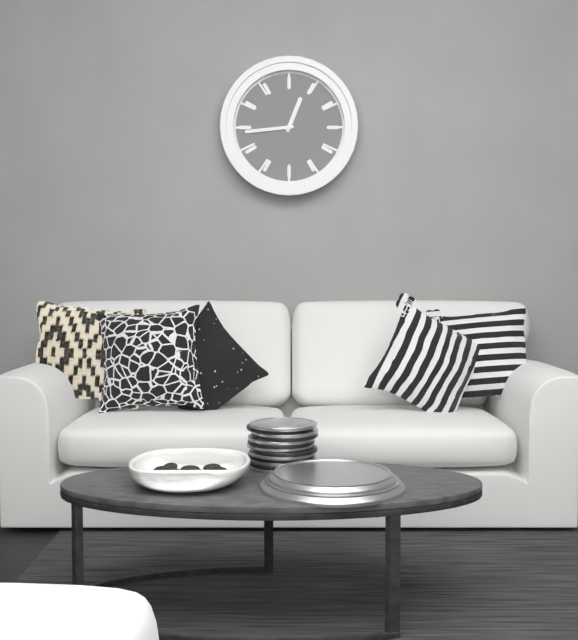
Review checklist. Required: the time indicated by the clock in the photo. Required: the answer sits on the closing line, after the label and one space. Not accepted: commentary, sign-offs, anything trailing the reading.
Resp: 12:44
